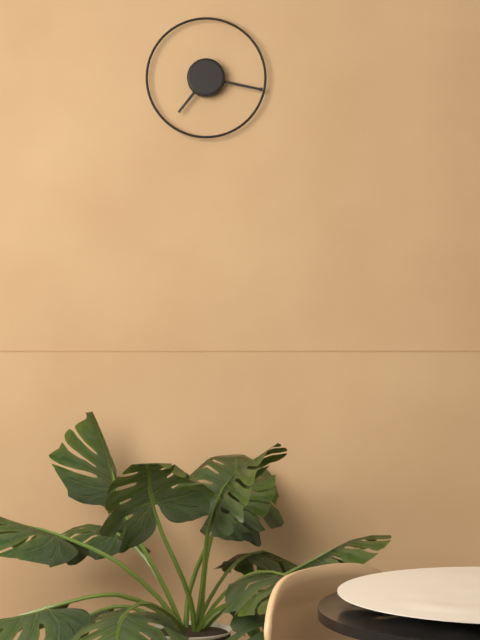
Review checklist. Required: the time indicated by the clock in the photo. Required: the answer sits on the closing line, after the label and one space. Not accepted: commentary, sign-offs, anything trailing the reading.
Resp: 7:17
